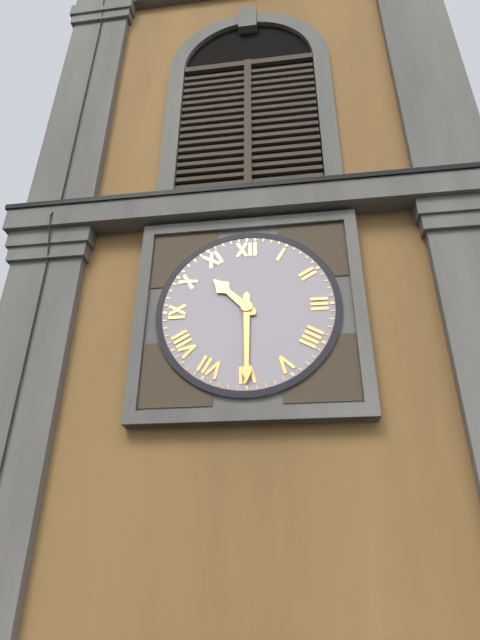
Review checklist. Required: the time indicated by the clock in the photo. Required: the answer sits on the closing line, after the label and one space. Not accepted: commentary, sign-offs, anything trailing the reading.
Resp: 10:30
